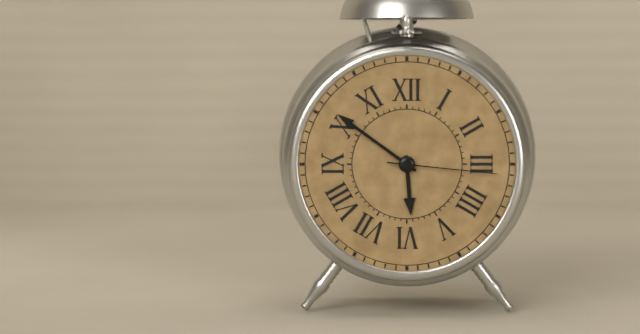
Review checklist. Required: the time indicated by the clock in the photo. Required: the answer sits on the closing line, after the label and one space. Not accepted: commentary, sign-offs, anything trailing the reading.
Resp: 5:51:16
